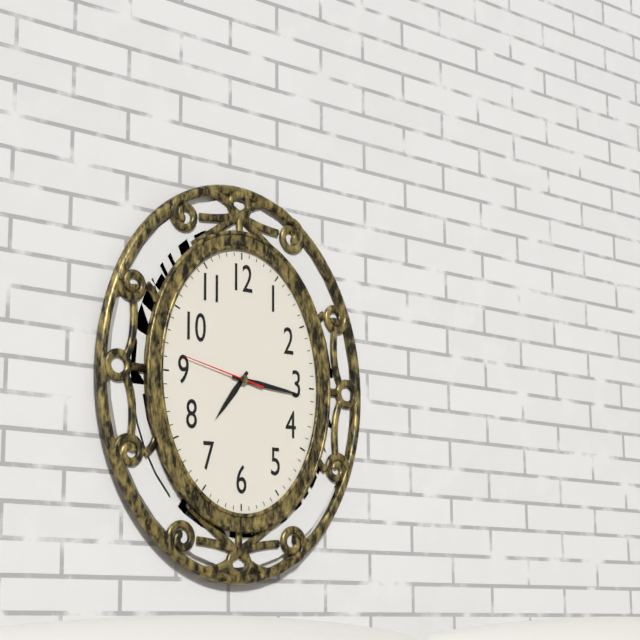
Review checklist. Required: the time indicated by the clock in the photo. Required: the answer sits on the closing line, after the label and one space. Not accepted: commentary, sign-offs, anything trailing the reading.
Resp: 7:16:47
